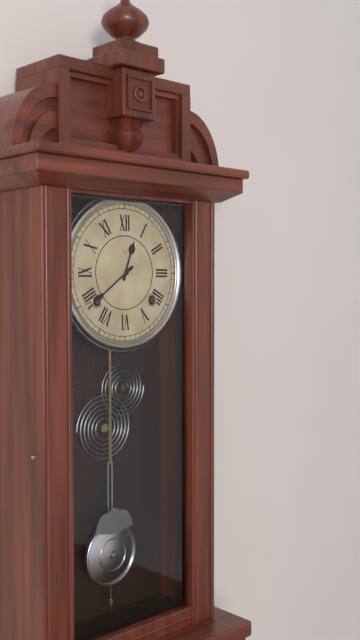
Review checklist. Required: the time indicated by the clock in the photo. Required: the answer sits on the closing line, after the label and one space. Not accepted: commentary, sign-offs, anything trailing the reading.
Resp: 12:39
